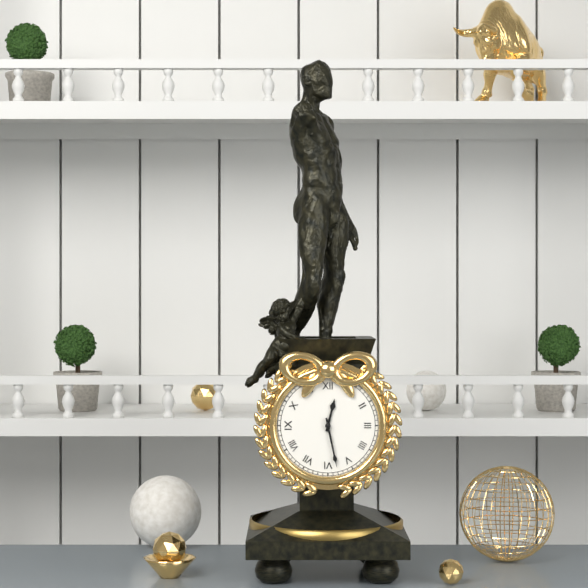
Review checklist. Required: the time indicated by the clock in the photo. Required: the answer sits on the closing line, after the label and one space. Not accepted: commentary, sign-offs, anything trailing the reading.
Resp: 12:28
